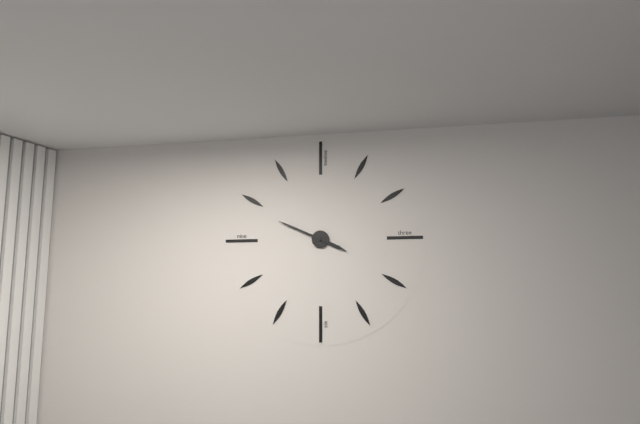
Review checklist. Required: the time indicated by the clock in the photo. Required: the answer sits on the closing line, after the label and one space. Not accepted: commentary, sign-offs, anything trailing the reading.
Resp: 3:49
